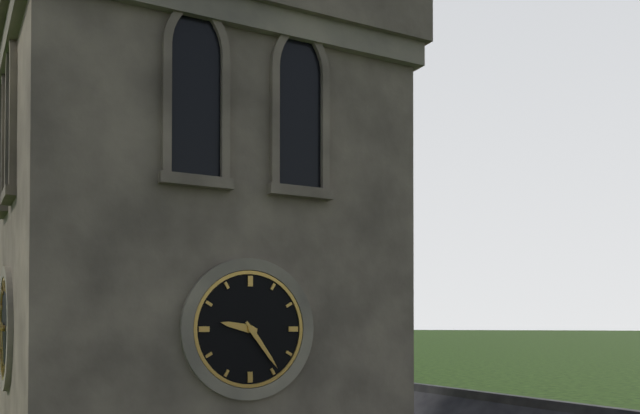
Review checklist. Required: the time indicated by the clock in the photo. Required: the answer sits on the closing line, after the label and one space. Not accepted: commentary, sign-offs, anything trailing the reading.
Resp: 9:24
